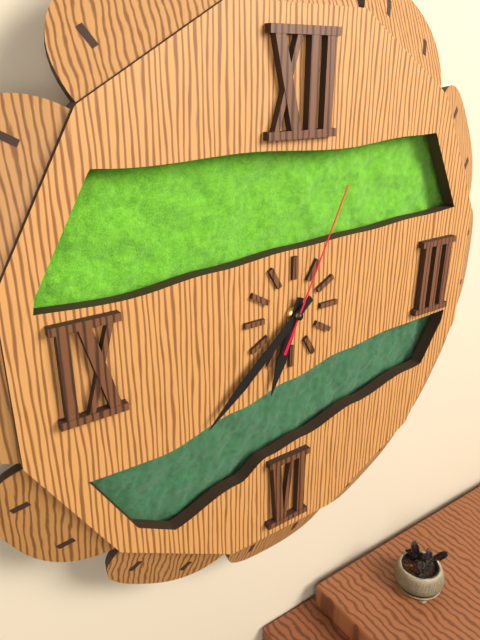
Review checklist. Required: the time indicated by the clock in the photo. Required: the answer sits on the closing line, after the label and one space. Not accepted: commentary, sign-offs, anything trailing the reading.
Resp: 6:38:04
